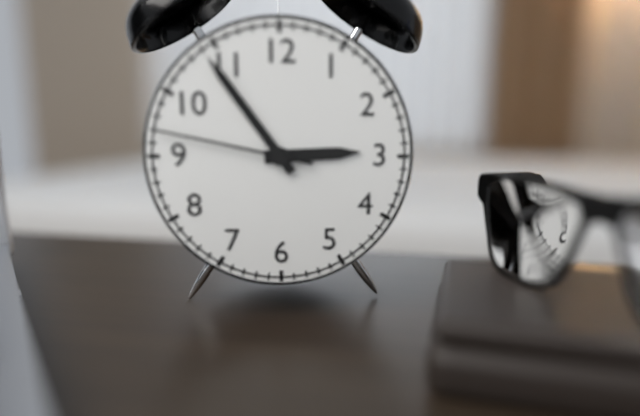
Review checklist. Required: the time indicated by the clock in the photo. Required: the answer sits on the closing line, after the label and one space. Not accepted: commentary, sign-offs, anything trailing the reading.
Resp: 2:54:47
